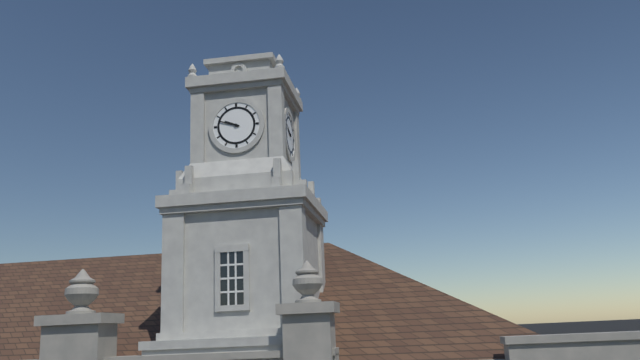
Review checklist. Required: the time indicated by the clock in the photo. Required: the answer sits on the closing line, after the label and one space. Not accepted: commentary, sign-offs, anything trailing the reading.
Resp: 9:48
